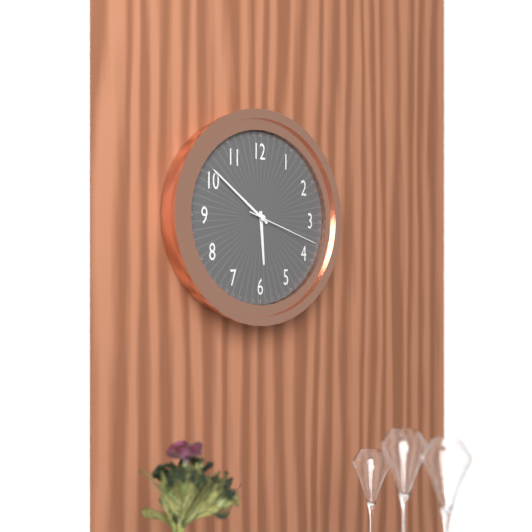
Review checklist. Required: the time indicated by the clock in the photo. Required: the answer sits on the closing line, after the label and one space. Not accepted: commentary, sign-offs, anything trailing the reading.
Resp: 5:51:18
